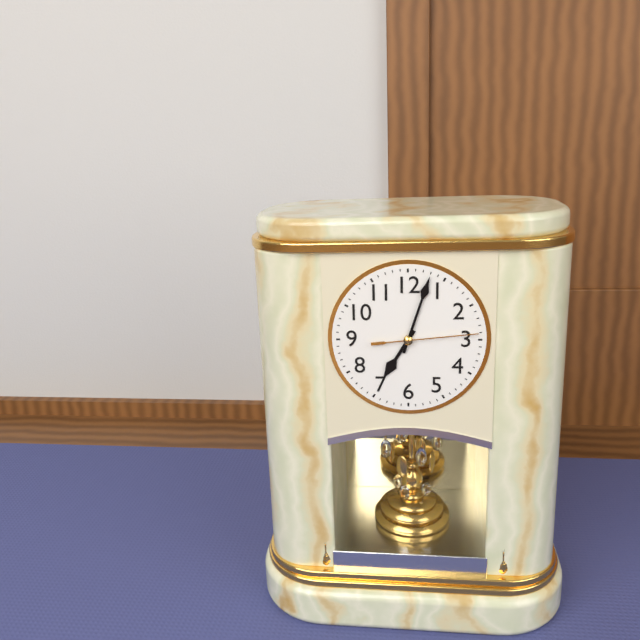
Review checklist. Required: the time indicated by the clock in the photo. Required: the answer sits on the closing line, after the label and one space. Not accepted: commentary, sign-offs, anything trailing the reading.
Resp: 7:03:14
